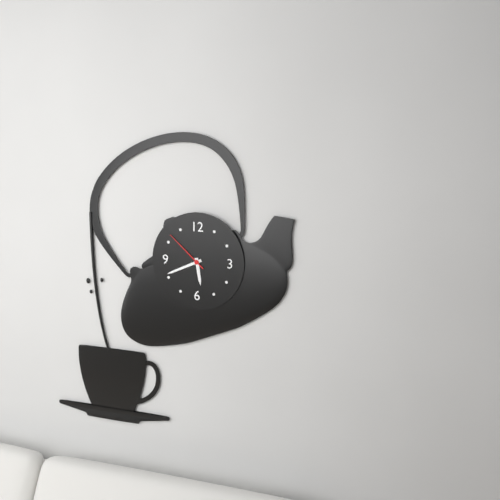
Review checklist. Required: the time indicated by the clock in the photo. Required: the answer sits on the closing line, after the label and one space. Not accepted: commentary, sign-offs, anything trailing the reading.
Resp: 5:41
